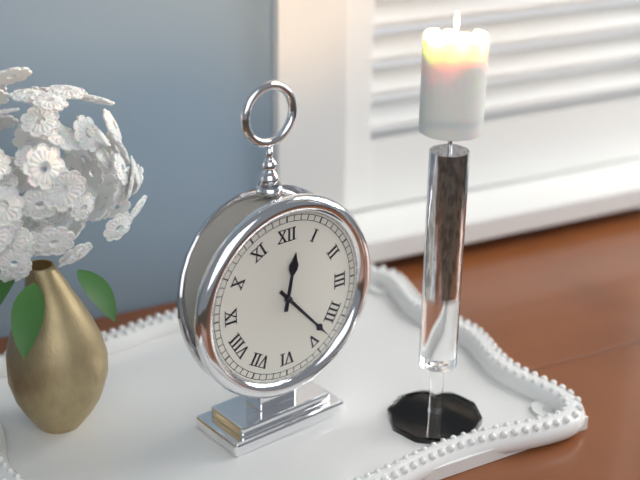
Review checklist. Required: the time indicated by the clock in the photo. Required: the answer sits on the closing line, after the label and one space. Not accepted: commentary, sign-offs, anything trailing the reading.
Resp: 12:23
